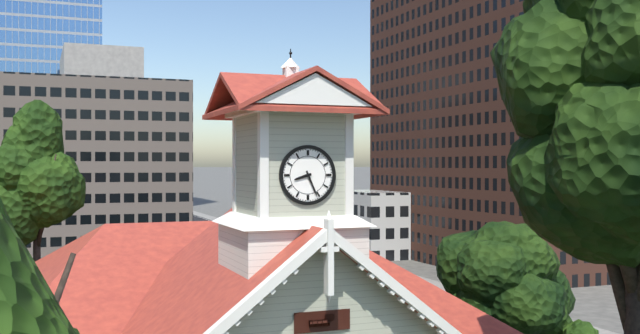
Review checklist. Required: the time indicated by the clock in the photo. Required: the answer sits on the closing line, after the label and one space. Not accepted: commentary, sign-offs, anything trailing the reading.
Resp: 8:26
